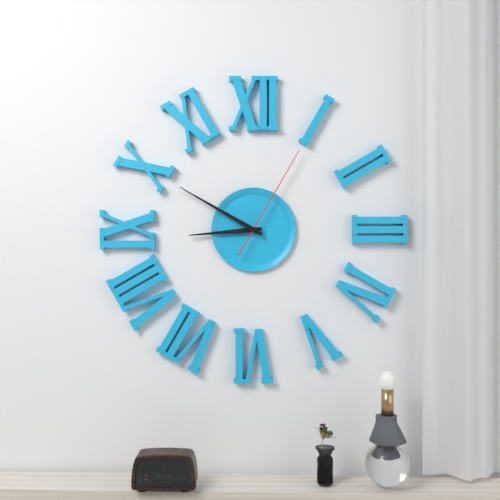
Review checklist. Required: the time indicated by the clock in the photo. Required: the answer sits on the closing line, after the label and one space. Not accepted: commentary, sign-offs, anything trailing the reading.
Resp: 8:50:05
